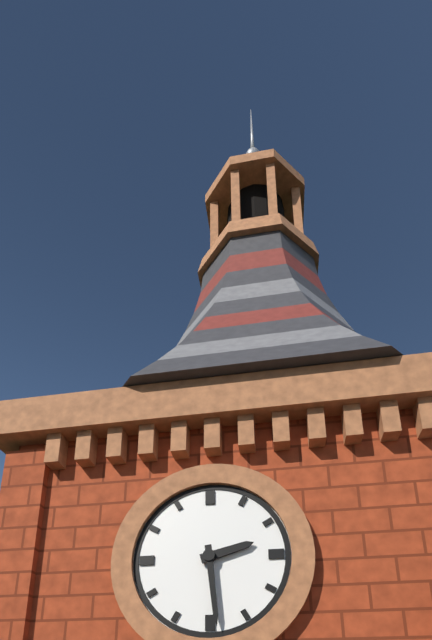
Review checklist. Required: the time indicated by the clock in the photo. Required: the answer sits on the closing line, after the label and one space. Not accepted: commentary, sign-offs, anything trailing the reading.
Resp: 2:29
